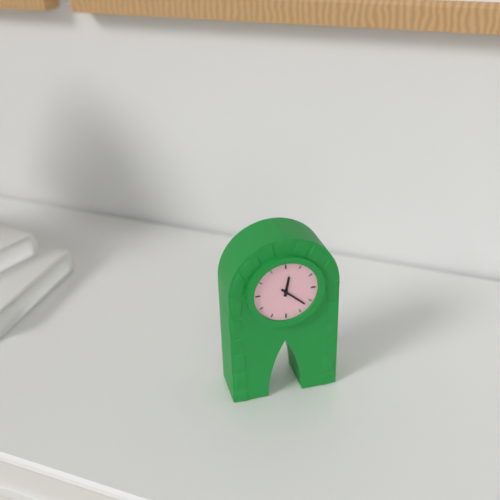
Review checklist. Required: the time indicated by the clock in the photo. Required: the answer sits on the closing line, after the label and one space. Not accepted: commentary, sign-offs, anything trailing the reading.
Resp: 12:22
